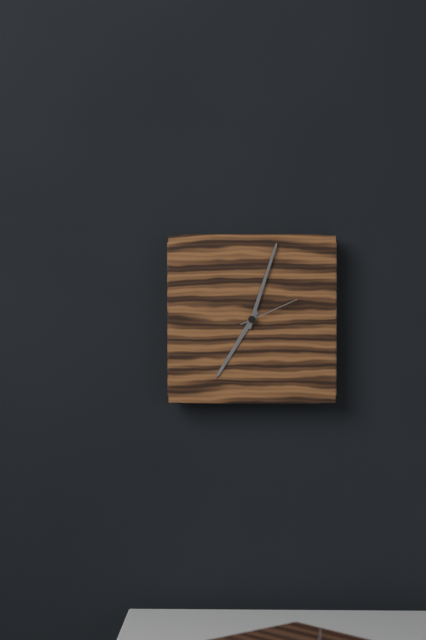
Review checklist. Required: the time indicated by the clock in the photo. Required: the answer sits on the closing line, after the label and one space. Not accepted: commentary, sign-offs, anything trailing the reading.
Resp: 7:03:11
